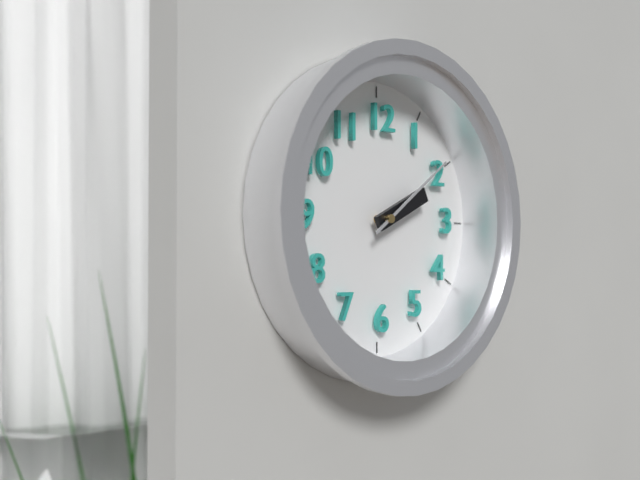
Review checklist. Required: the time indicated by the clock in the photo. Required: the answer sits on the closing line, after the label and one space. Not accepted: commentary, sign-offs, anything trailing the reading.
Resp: 2:09
